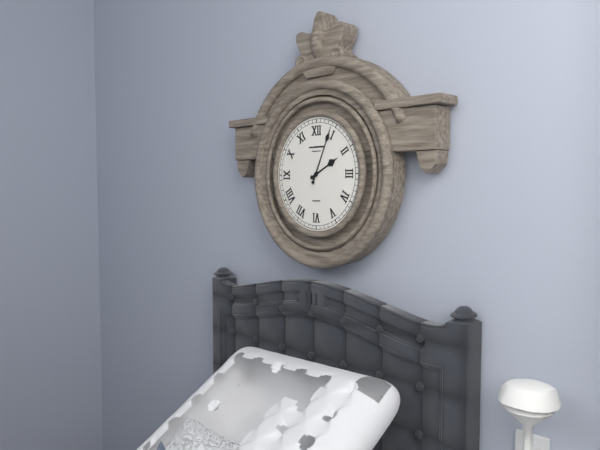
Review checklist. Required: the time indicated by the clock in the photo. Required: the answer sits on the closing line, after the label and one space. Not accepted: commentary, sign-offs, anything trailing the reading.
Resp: 2:04
